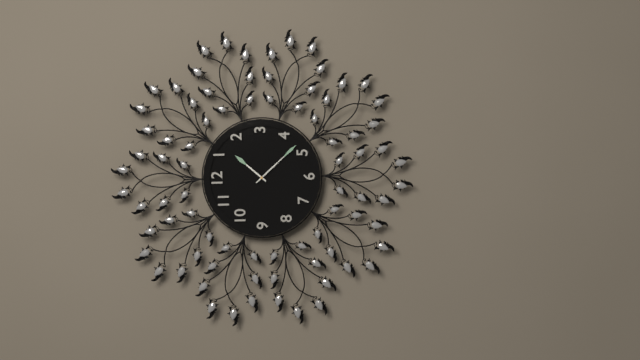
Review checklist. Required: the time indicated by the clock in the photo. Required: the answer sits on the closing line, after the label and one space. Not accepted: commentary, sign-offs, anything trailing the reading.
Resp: 1:23
